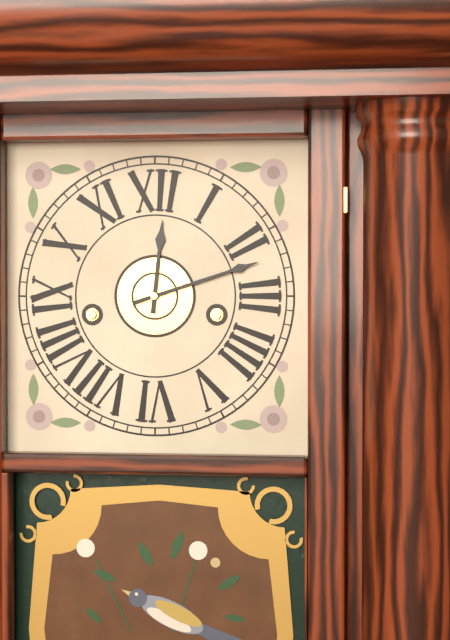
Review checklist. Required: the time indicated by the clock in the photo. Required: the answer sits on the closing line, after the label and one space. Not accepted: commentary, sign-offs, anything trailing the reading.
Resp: 12:12
